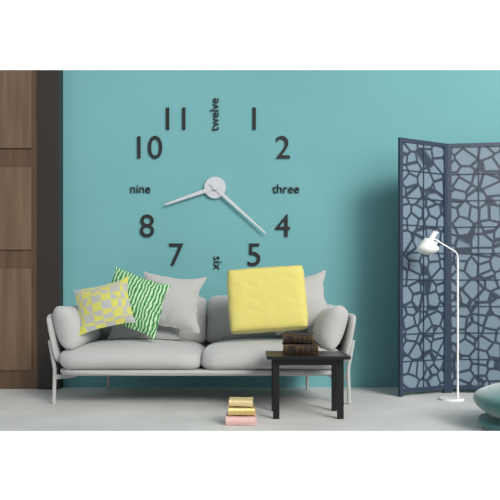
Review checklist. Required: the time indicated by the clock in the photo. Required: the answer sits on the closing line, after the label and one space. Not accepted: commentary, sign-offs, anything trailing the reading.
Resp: 8:22
